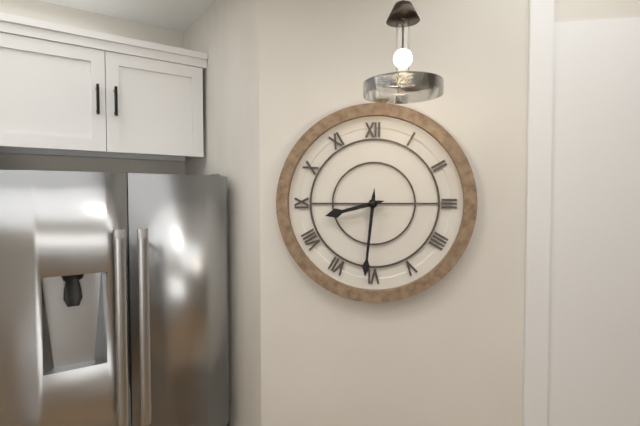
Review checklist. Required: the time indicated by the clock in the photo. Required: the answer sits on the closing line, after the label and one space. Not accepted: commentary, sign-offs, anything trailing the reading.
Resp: 8:31
